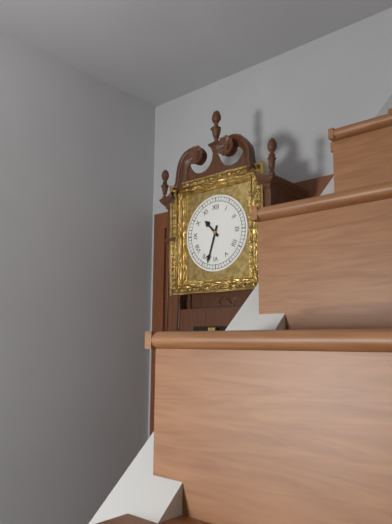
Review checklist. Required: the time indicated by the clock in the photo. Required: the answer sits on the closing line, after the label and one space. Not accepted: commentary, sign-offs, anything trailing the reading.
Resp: 10:33
